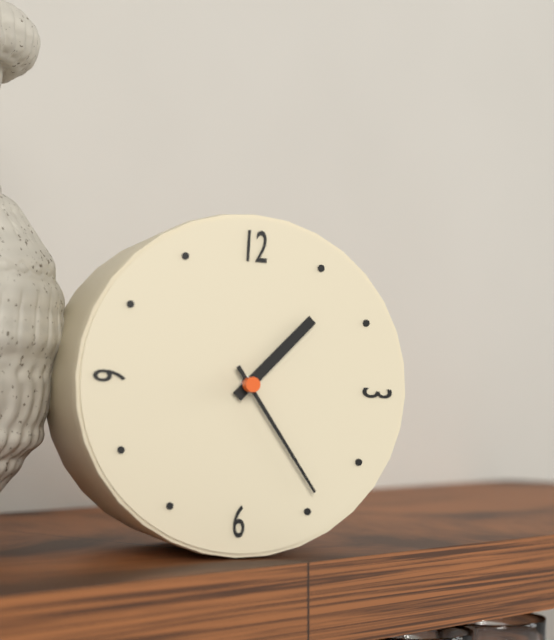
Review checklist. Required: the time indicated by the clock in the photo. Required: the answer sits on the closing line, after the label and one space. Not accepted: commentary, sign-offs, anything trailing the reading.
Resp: 1:24
